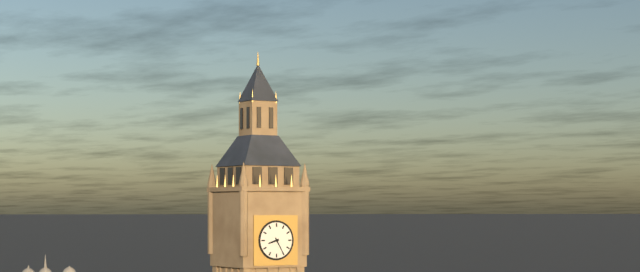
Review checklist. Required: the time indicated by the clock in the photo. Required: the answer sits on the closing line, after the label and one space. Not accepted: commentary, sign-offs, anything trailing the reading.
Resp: 8:25
